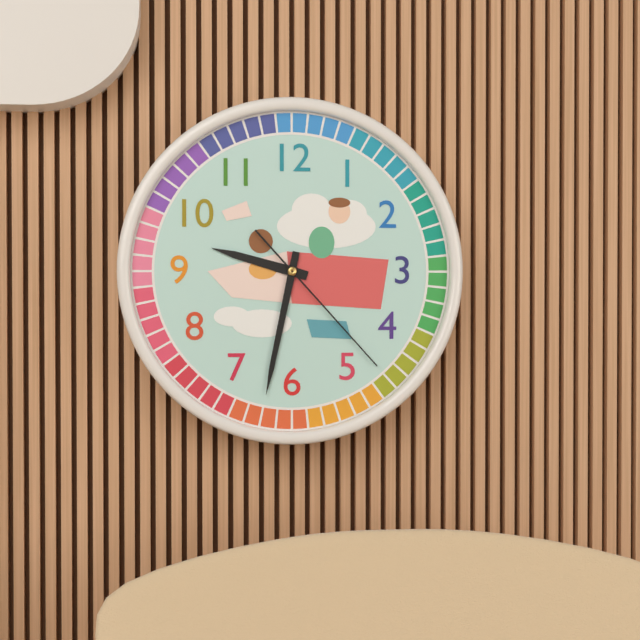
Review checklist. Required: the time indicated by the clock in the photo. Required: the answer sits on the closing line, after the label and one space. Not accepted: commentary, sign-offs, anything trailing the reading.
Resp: 9:32:23
